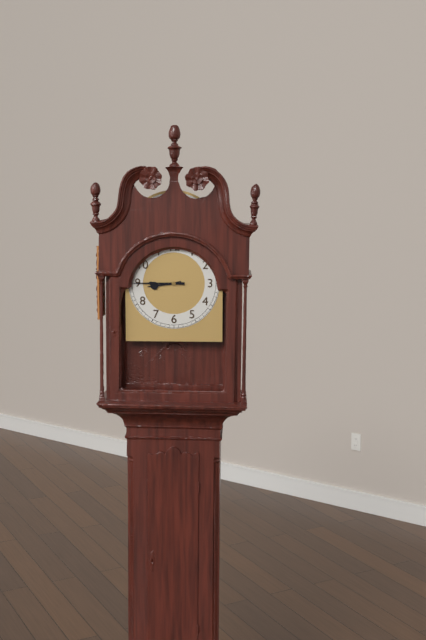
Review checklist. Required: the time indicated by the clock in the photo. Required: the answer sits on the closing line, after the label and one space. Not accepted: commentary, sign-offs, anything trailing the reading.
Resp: 8:45
